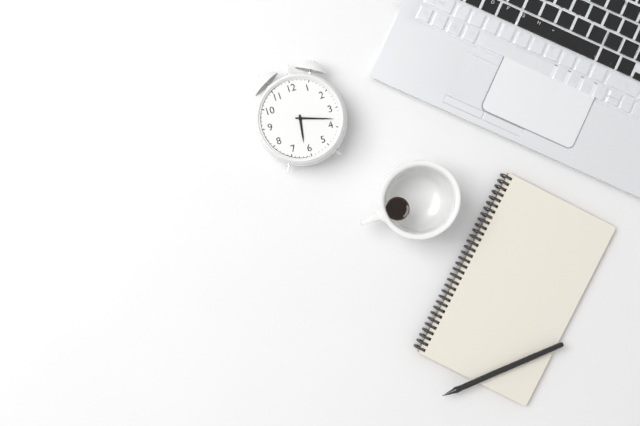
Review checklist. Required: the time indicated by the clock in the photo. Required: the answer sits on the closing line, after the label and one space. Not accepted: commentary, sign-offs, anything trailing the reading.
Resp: 6:18
